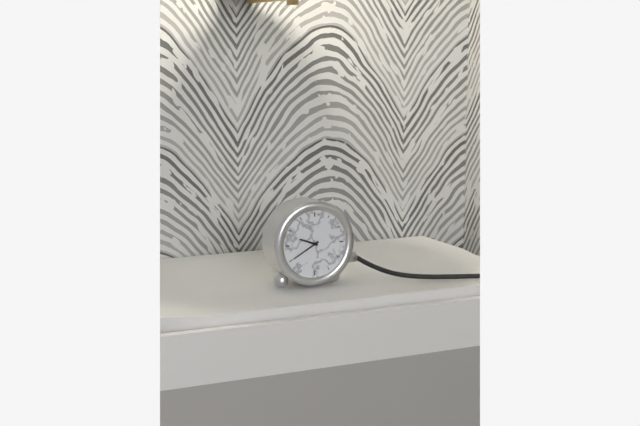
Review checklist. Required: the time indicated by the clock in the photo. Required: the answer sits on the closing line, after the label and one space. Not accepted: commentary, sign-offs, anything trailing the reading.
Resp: 9:40
